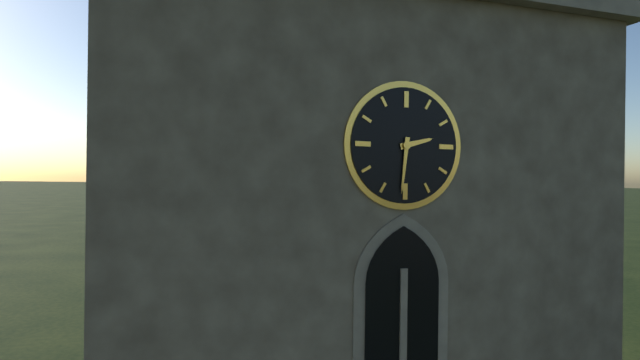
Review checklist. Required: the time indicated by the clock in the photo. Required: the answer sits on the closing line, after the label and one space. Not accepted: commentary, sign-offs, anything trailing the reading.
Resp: 2:31
